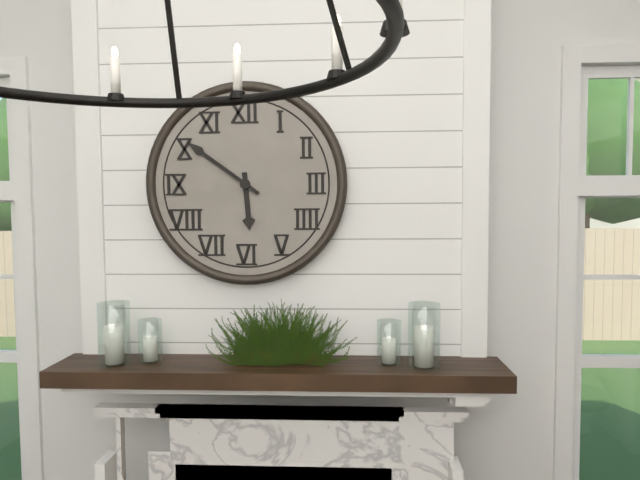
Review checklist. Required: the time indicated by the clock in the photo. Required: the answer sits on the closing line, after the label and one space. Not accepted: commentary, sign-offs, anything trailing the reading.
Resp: 5:51
